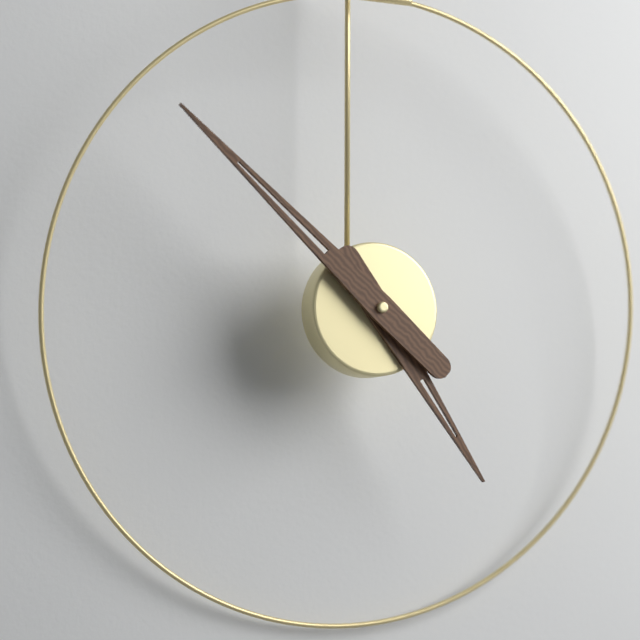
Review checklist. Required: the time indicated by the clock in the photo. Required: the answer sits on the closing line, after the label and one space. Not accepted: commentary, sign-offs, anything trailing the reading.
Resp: 4:52
